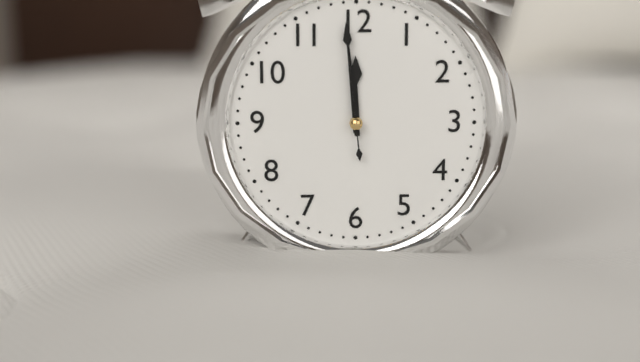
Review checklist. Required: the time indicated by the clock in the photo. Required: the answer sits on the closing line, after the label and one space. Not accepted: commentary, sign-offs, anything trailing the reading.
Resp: 11:59:59
